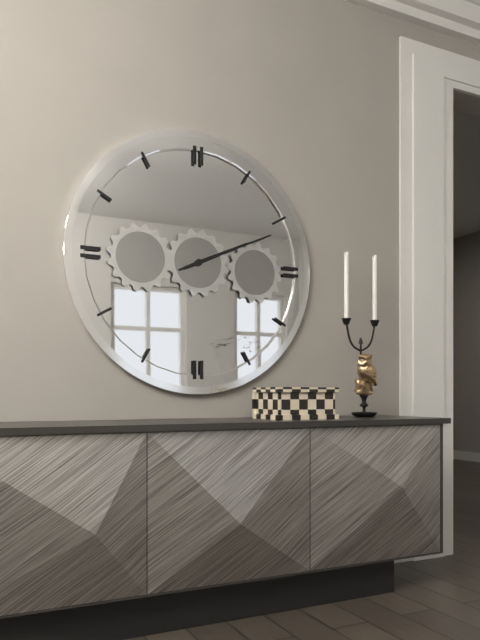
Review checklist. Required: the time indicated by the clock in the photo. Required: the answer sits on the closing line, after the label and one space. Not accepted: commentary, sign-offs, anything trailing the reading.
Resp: 2:11
